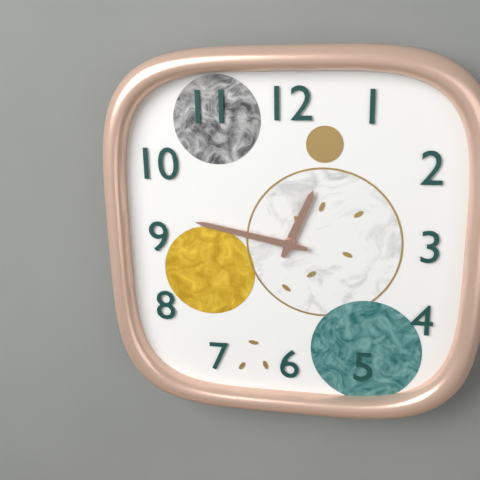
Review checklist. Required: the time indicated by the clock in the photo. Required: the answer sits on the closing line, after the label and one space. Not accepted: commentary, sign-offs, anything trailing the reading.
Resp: 12:47
